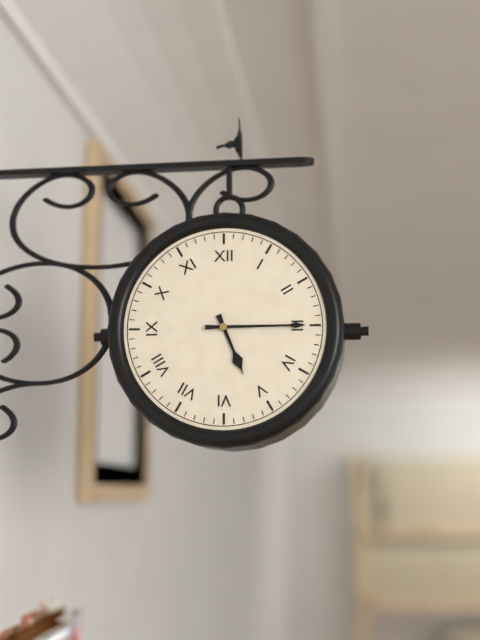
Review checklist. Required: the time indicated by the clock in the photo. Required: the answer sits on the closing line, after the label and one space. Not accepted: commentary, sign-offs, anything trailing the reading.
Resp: 5:15
